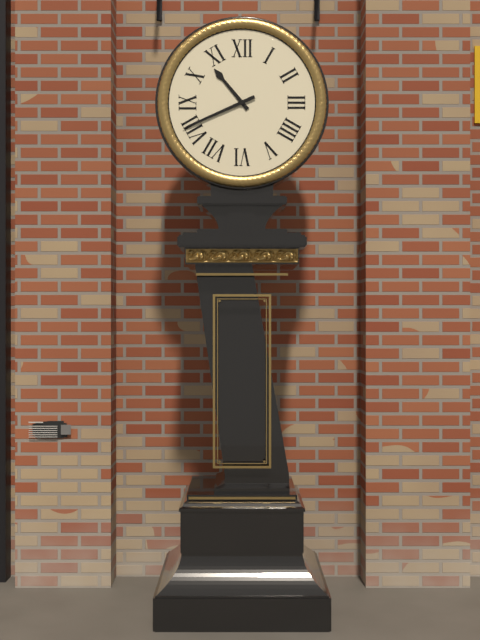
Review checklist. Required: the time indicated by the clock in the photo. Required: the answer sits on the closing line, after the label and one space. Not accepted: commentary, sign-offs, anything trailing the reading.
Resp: 10:41
